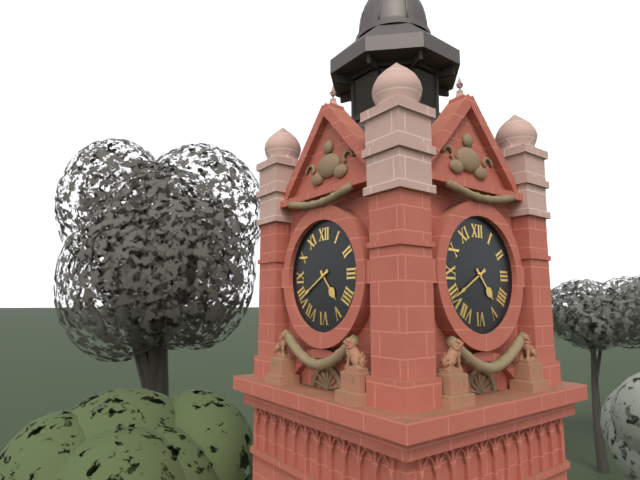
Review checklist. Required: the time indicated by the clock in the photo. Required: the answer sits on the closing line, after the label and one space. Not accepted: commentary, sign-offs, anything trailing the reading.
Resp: 4:40
